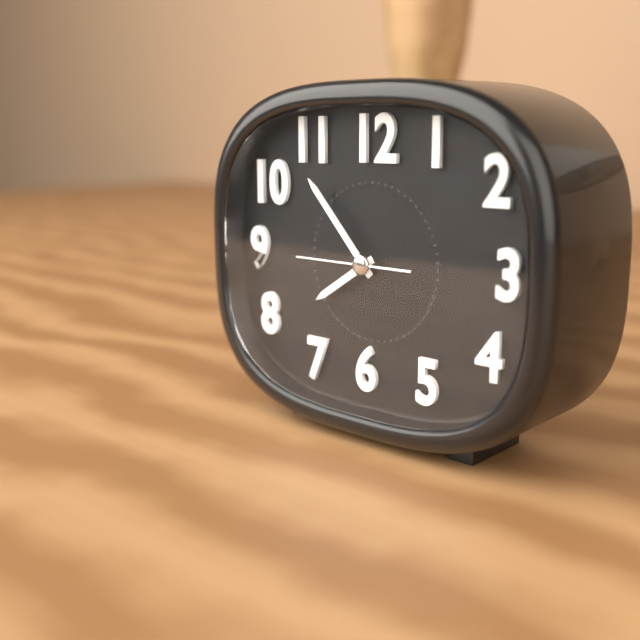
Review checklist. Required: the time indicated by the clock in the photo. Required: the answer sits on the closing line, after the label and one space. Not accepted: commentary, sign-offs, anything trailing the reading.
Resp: 7:53:45
